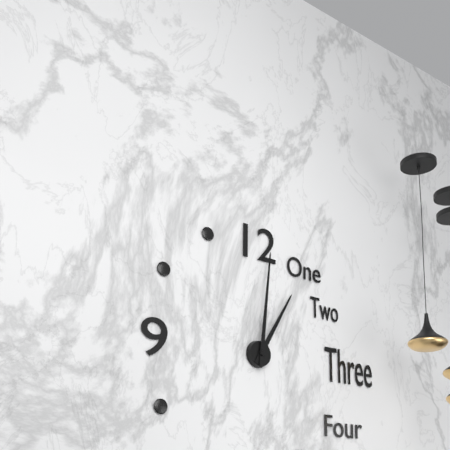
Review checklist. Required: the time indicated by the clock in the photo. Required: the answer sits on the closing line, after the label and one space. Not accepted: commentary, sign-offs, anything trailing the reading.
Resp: 1:01
